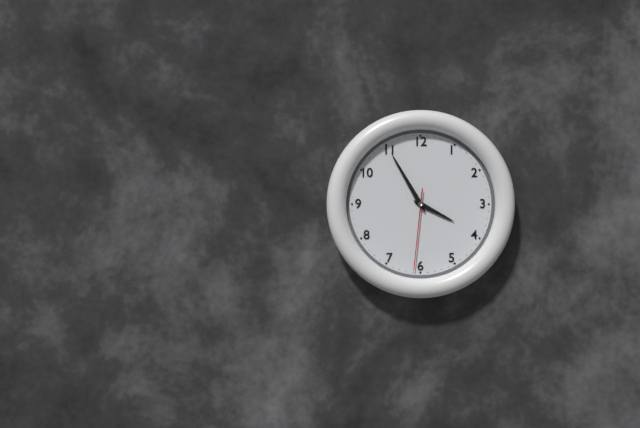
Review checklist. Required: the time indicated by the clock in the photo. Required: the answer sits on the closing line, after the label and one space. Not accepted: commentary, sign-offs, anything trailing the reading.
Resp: 3:55:31
